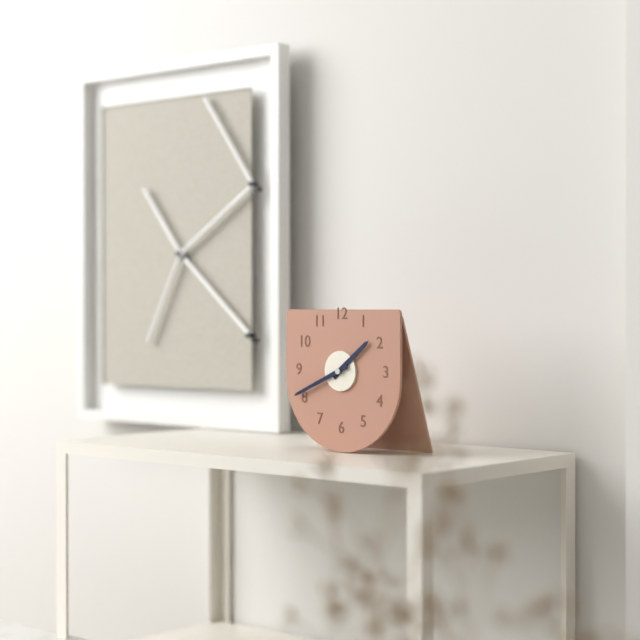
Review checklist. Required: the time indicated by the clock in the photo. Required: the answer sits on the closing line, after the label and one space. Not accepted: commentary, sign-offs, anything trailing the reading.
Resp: 1:41
